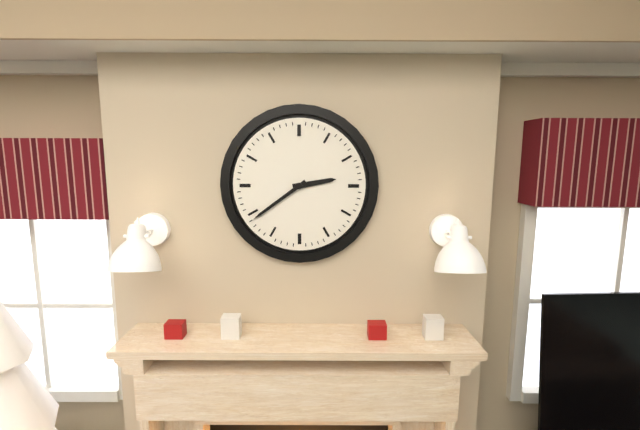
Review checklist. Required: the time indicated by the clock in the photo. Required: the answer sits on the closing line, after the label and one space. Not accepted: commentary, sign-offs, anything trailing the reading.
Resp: 2:39
